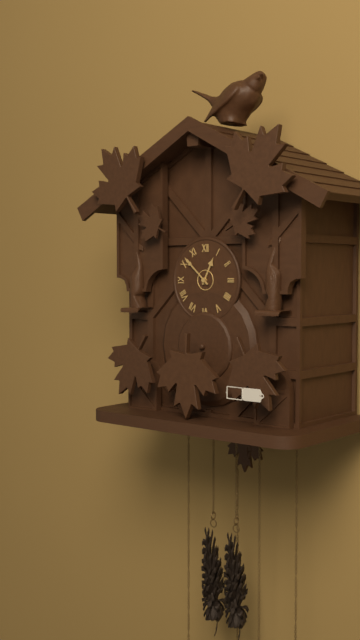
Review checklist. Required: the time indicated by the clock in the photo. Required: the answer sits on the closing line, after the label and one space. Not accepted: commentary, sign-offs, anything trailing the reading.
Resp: 12:52
